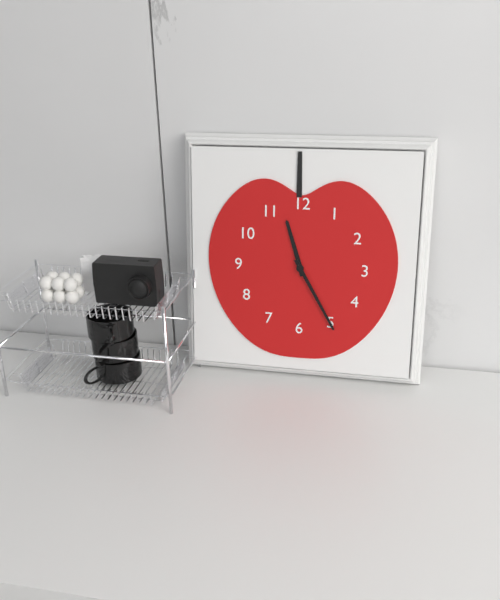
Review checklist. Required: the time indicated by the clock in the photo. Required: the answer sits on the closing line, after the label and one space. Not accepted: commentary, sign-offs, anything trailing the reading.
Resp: 11:25
